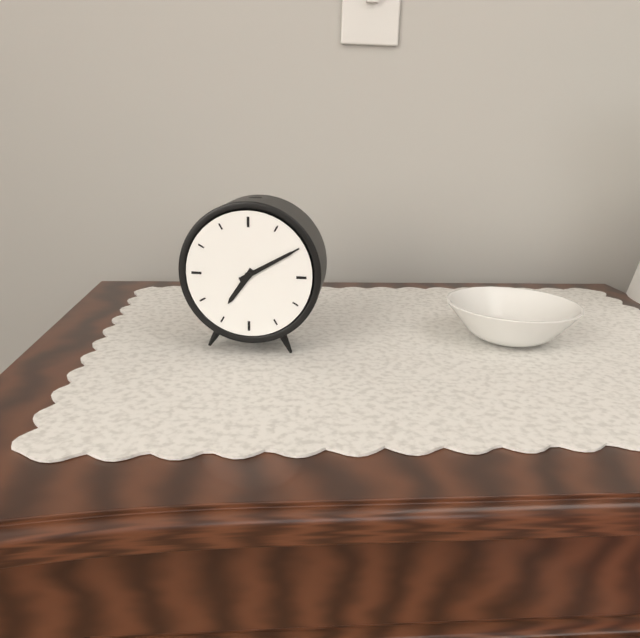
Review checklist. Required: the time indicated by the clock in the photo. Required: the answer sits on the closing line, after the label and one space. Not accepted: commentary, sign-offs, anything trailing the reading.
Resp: 7:10
